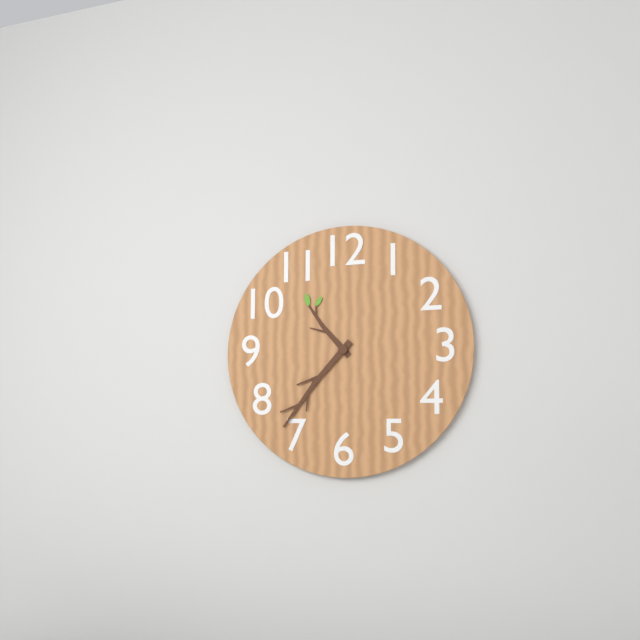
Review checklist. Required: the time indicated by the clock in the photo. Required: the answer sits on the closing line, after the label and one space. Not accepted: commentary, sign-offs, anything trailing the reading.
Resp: 10:37
